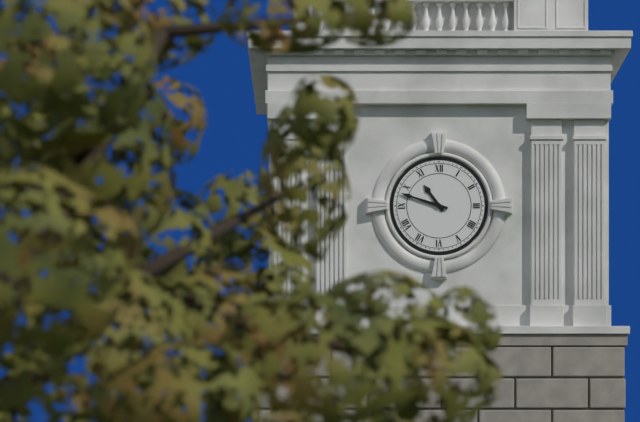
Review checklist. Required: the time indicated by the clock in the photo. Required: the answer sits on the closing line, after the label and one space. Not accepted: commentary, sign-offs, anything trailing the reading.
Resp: 10:48
